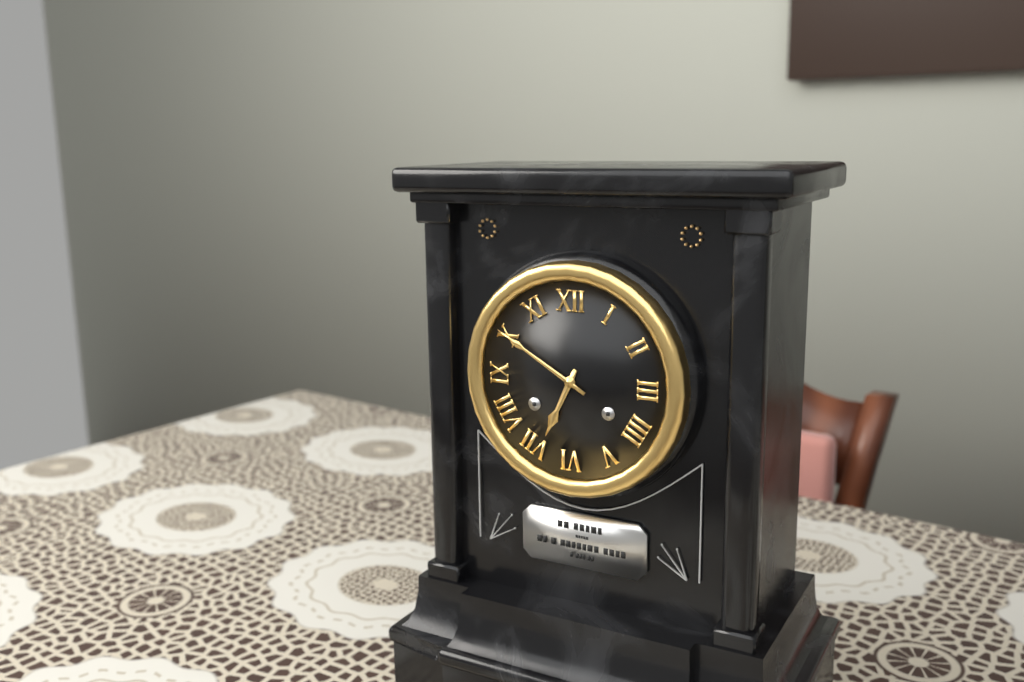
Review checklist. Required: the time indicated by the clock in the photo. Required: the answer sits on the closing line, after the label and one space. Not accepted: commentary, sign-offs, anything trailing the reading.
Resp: 6:50
